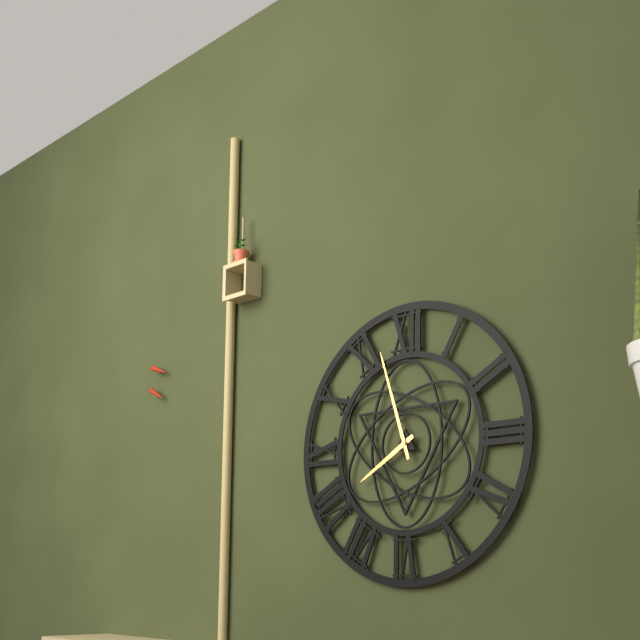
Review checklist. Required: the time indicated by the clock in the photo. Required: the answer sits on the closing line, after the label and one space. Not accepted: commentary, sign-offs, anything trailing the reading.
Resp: 7:57
